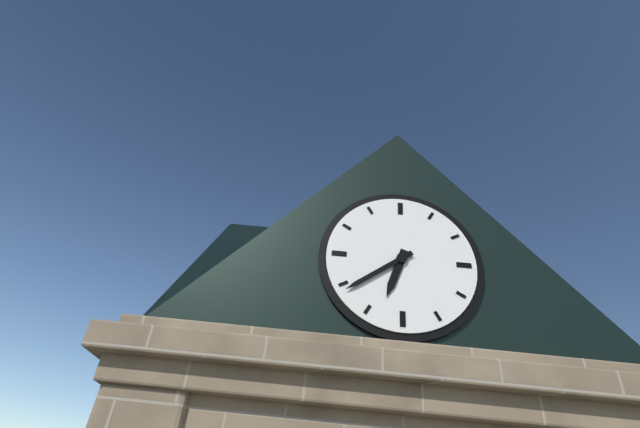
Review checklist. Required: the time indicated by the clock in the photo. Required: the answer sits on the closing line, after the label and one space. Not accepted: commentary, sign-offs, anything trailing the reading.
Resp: 6:39
